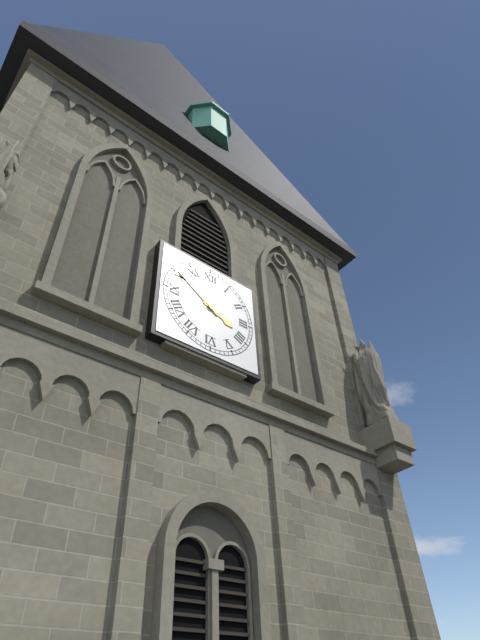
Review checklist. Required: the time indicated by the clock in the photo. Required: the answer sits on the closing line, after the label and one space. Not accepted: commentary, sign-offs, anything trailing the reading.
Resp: 3:51
